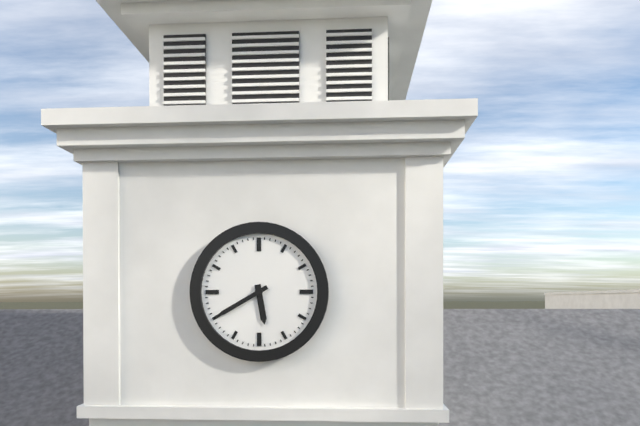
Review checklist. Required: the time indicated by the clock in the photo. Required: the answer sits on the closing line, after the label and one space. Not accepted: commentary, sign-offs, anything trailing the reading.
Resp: 5:40
